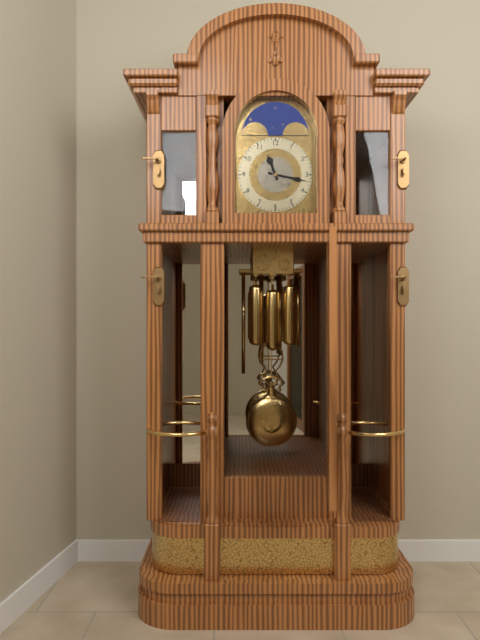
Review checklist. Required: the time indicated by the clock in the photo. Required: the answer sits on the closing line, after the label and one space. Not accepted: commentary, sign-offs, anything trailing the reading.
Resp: 11:17
